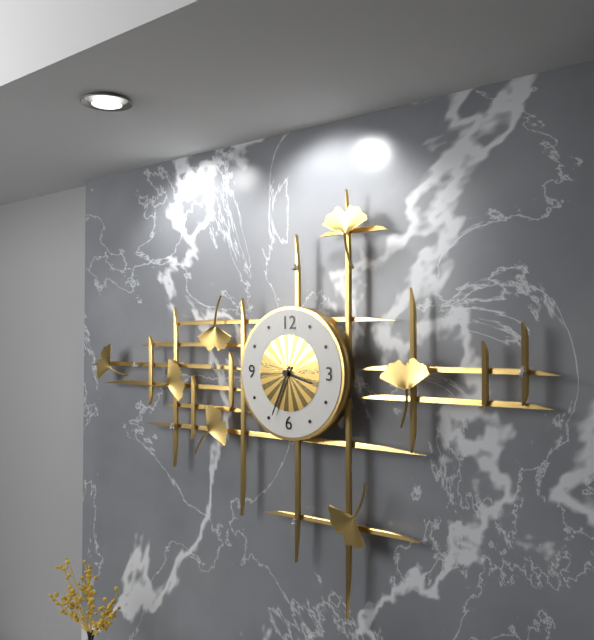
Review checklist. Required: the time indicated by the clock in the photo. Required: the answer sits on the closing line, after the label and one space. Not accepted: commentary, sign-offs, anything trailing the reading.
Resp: 3:34
